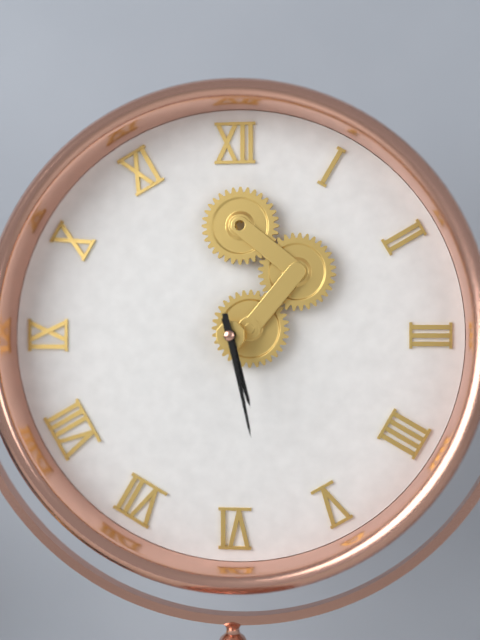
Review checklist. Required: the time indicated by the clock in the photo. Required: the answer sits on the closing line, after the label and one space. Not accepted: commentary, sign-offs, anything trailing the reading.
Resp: 5:28
